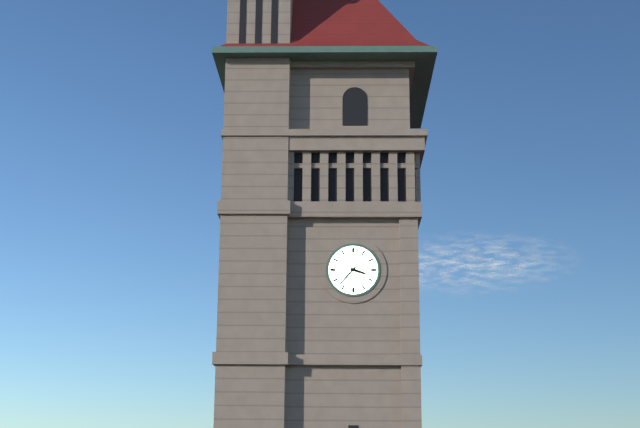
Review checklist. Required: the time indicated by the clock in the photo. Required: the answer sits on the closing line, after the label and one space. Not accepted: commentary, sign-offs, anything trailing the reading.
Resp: 3:37
